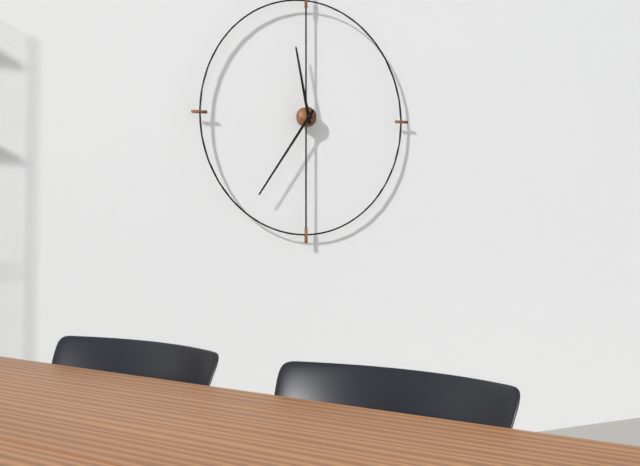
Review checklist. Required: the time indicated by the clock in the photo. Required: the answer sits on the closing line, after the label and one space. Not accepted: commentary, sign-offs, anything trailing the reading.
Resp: 11:36
